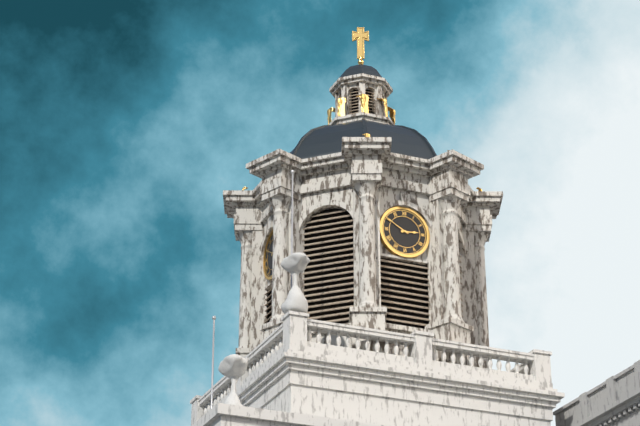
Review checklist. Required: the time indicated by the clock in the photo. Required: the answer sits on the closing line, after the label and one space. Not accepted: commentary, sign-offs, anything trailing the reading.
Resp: 2:50
